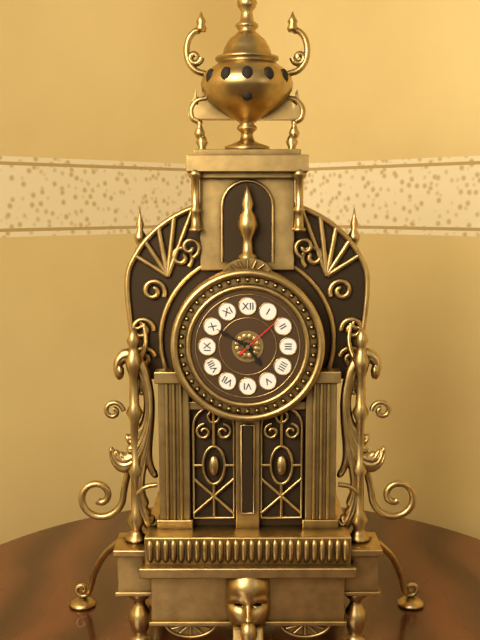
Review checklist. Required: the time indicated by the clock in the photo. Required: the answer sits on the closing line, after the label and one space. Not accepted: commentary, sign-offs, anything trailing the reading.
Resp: 4:50:08
